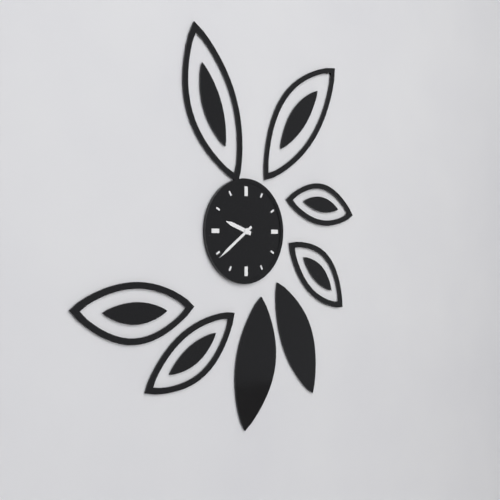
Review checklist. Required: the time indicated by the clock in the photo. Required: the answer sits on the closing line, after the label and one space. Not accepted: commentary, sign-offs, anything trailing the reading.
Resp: 9:39
